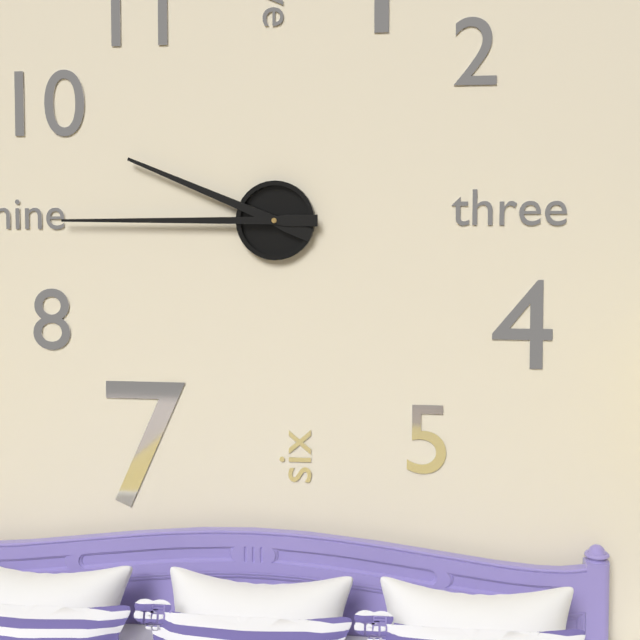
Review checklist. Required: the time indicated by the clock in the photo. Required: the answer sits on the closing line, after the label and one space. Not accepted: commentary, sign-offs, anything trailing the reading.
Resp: 9:45
